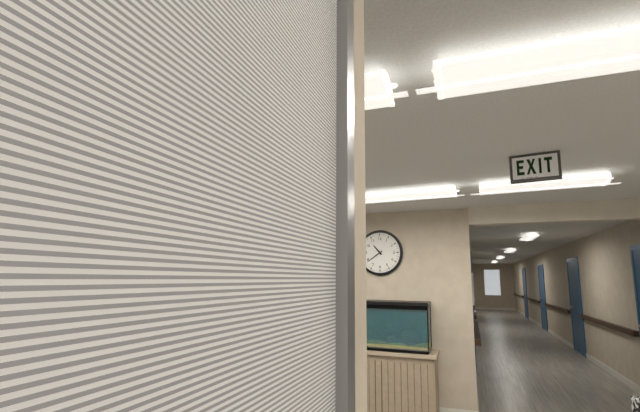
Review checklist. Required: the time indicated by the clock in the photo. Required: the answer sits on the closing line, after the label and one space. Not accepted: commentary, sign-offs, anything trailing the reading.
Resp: 10:39
